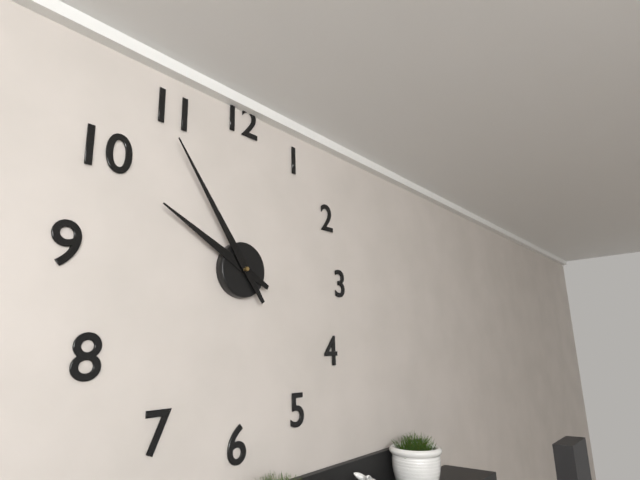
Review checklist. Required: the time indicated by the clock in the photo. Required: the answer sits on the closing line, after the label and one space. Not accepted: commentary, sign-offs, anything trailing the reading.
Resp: 9:54
